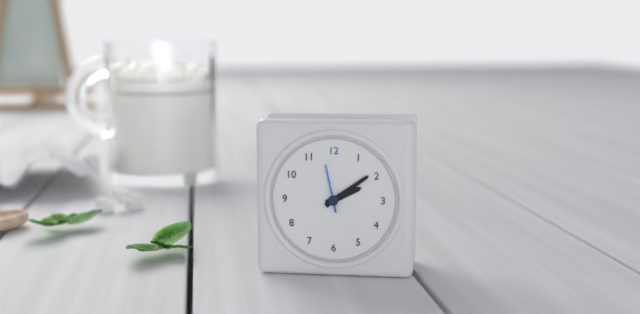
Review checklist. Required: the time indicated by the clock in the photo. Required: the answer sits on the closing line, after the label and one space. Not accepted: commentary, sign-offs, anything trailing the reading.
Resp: 2:09
